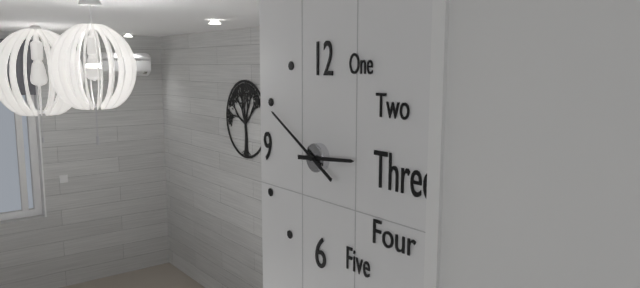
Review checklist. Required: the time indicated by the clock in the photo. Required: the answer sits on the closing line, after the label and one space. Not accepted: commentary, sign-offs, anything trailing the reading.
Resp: 2:50
